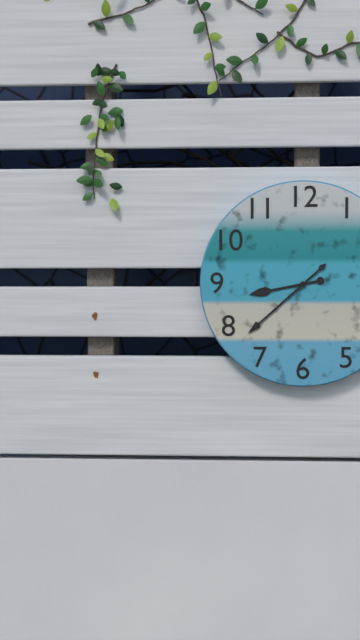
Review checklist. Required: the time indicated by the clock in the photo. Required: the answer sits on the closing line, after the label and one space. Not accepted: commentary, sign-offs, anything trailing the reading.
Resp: 8:38
